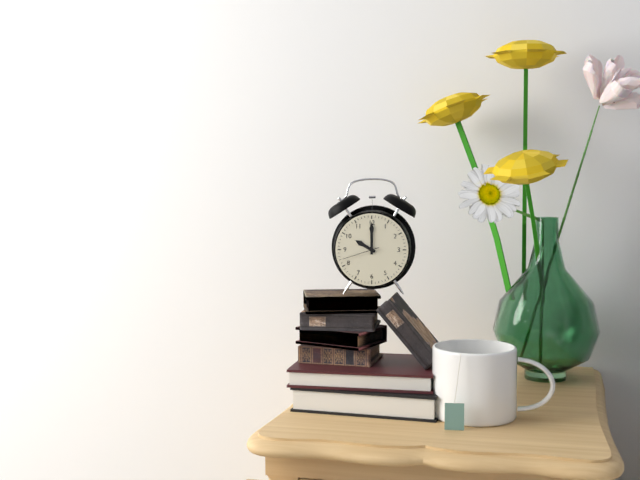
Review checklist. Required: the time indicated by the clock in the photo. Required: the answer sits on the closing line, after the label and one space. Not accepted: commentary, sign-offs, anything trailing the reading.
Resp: 10:00
